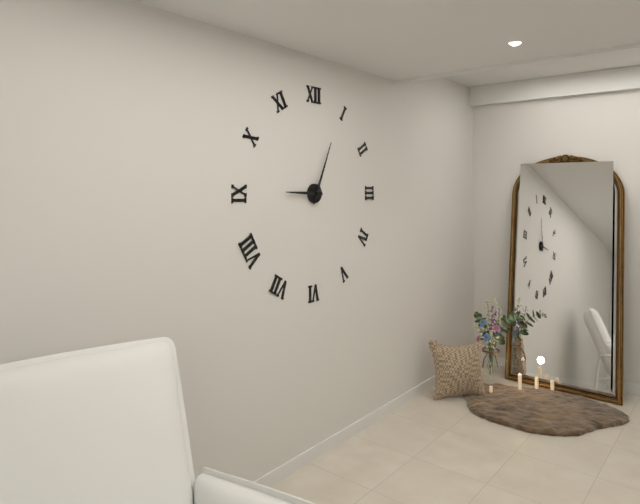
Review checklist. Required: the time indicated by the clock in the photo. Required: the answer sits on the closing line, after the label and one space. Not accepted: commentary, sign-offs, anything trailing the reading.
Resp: 9:04
